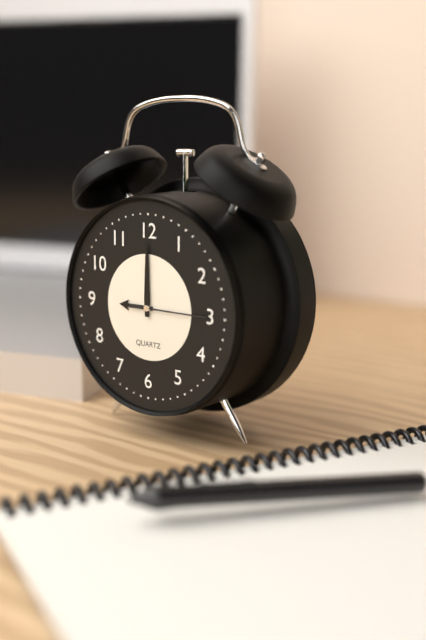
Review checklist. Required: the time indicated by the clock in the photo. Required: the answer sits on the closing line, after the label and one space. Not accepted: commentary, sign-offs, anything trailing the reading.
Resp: 9:00:15
